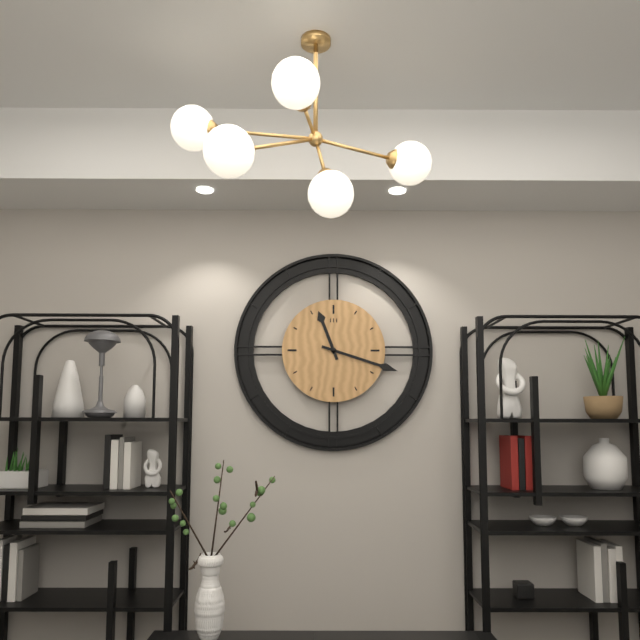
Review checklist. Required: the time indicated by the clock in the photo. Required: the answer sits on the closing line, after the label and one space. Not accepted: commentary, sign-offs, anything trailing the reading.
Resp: 11:18
